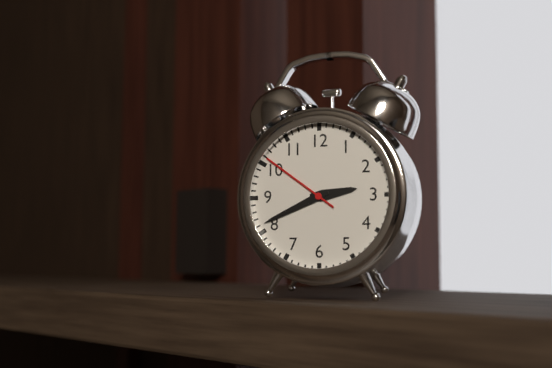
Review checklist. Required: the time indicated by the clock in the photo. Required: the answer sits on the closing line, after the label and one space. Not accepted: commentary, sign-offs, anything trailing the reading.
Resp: 2:41:51
